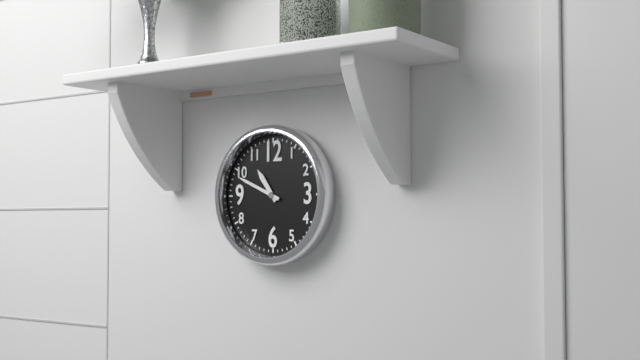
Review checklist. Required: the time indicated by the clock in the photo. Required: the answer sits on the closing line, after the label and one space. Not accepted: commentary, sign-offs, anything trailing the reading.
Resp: 10:49
